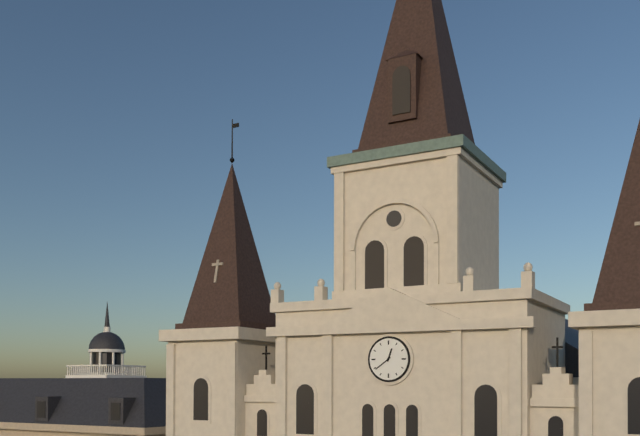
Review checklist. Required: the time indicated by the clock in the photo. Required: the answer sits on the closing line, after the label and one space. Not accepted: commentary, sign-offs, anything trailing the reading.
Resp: 12:39
